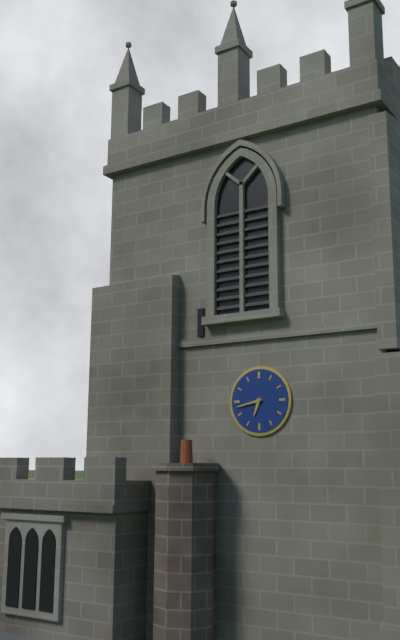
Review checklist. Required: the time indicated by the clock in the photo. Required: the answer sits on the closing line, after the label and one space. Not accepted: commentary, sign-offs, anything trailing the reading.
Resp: 6:43
